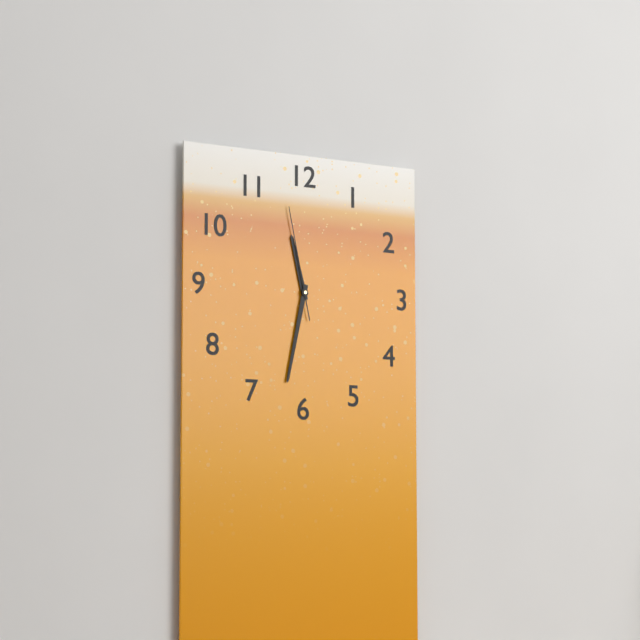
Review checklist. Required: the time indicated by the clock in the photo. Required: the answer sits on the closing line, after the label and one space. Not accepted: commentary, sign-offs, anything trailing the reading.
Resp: 11:32:58
